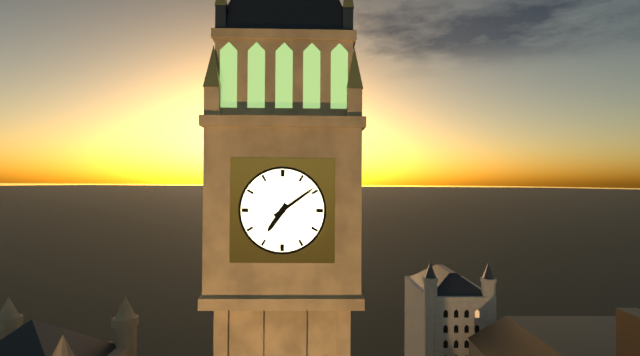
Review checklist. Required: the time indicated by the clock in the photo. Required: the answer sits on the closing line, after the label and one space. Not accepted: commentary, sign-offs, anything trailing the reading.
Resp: 7:09
